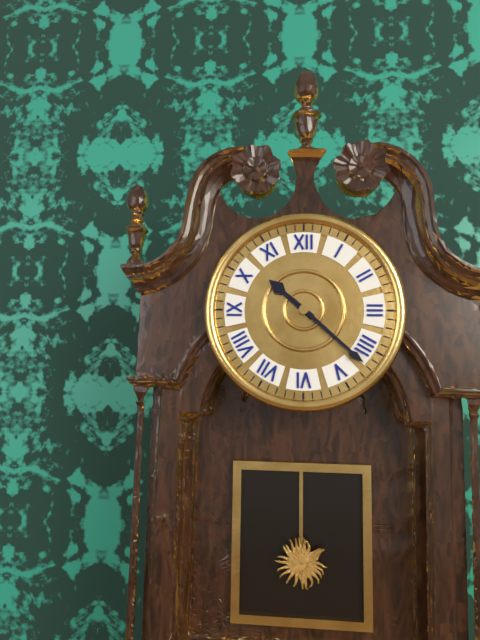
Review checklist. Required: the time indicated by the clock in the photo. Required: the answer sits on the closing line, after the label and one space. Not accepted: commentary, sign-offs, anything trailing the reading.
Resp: 10:22
